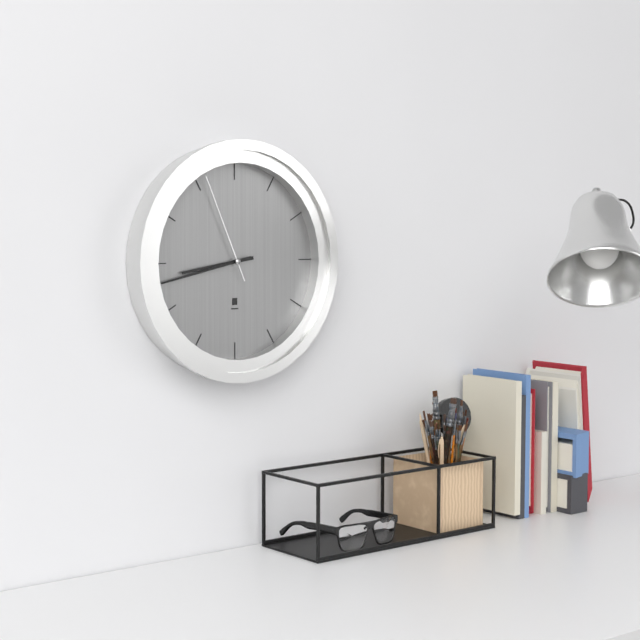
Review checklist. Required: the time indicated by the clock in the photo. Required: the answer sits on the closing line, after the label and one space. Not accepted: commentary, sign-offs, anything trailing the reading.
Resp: 8:43:56
